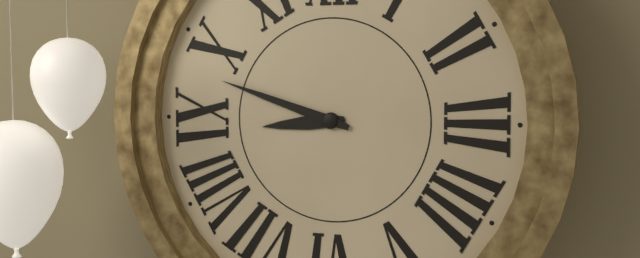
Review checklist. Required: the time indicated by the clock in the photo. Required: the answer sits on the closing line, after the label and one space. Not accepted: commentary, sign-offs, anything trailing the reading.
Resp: 8:48
